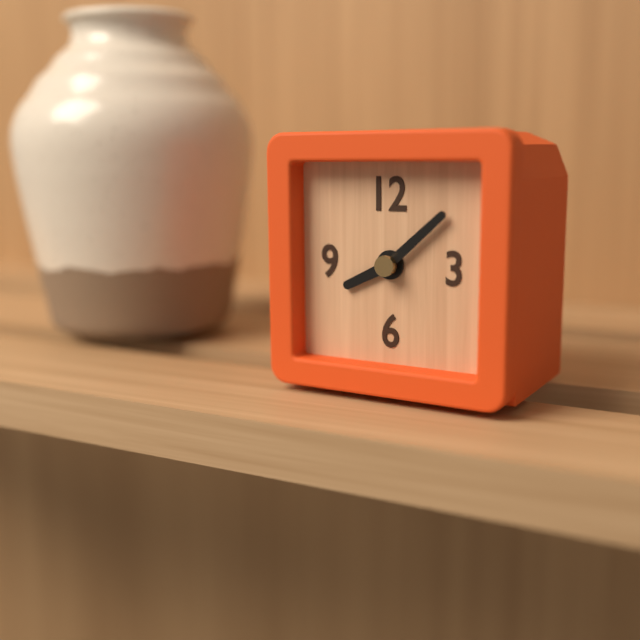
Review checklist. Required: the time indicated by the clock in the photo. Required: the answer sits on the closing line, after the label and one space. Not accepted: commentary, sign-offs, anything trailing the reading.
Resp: 8:08
